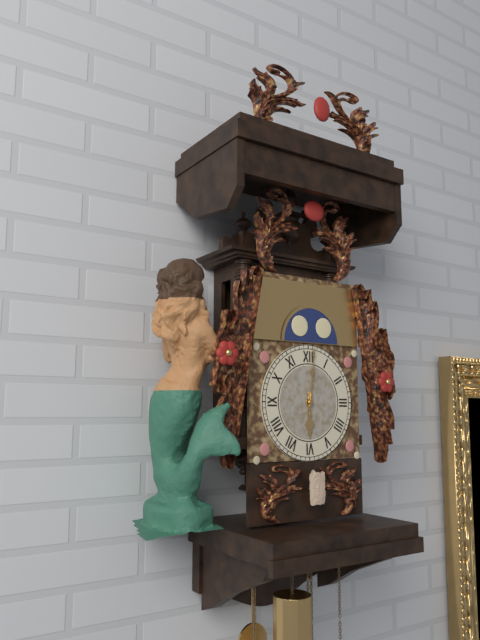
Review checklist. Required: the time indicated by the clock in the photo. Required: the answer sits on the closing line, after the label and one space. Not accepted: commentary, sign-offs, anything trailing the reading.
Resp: 6:01
